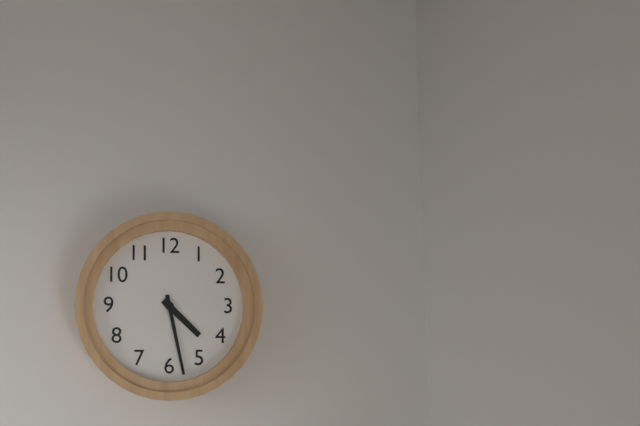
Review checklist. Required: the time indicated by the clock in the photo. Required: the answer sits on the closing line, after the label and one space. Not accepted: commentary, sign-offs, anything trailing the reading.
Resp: 4:28
